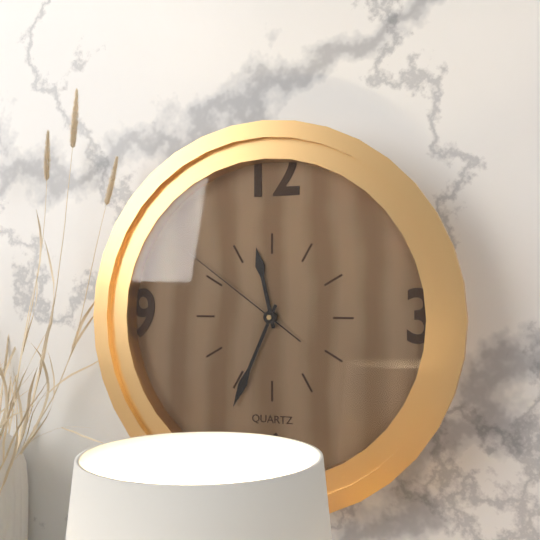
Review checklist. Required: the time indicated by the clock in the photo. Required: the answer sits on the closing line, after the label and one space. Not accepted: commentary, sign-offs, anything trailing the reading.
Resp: 11:34:51
